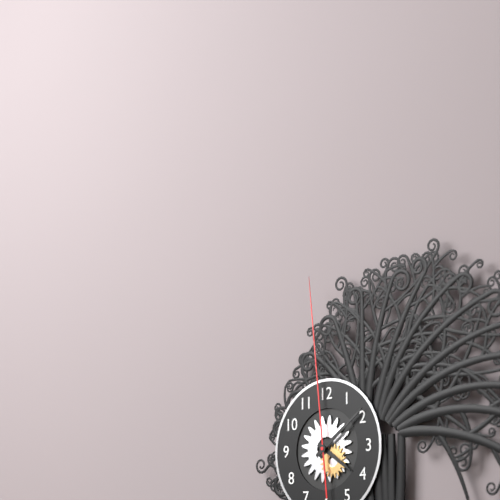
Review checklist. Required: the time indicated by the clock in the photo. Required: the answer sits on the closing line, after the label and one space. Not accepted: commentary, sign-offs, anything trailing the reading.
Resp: 4:09:59
